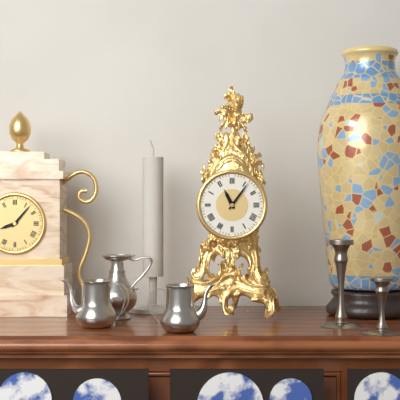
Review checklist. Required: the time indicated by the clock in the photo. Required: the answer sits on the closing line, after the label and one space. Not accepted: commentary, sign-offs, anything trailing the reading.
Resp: 11:06
